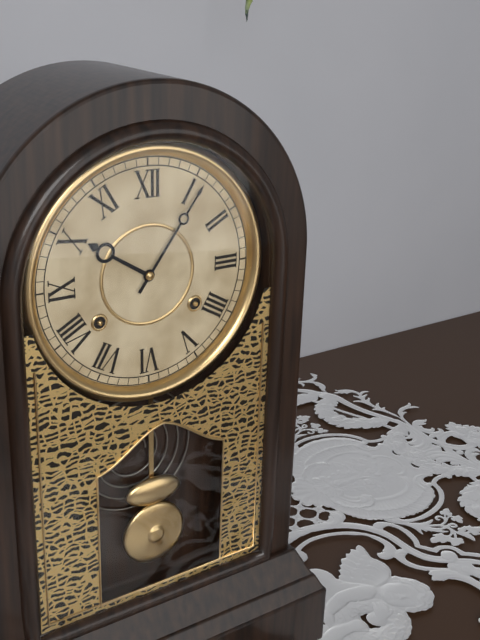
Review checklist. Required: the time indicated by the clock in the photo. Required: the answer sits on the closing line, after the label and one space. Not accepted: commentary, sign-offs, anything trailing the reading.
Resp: 10:06
